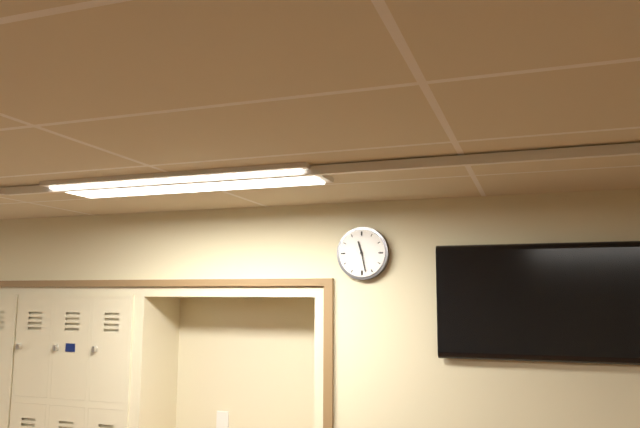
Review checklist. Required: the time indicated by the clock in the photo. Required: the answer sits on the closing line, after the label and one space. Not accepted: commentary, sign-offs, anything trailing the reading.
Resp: 11:28
